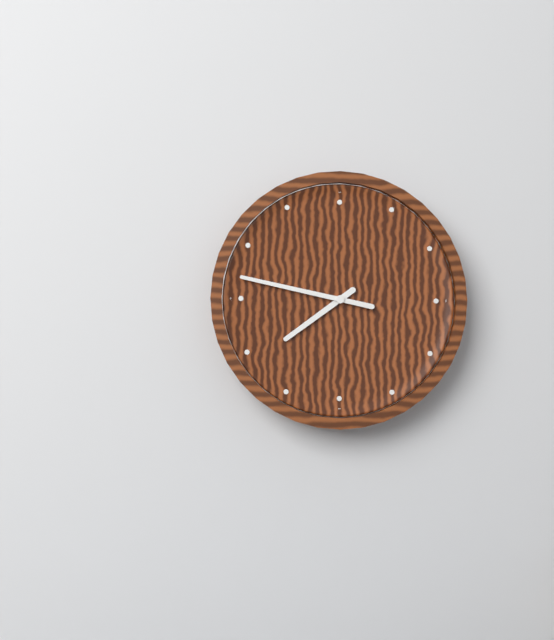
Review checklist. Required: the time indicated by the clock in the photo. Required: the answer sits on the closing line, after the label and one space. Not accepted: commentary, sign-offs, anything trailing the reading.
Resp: 7:47
